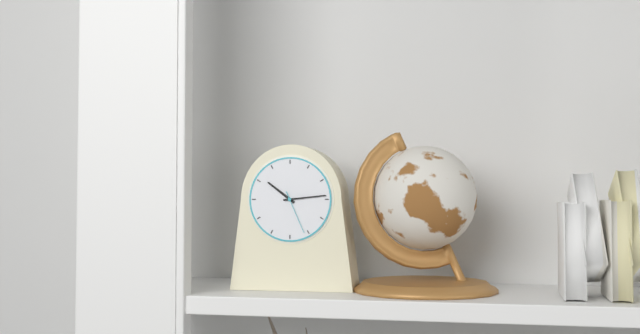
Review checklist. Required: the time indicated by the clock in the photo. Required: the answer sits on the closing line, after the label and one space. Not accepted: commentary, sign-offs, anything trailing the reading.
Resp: 10:14
